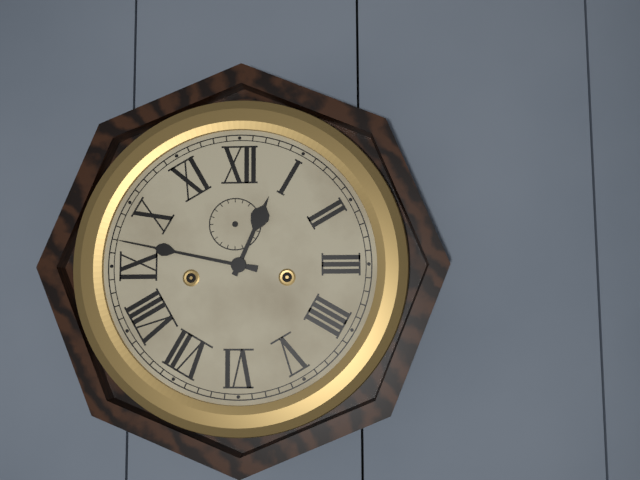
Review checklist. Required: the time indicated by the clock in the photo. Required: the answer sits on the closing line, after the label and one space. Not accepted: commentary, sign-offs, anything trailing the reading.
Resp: 12:47
